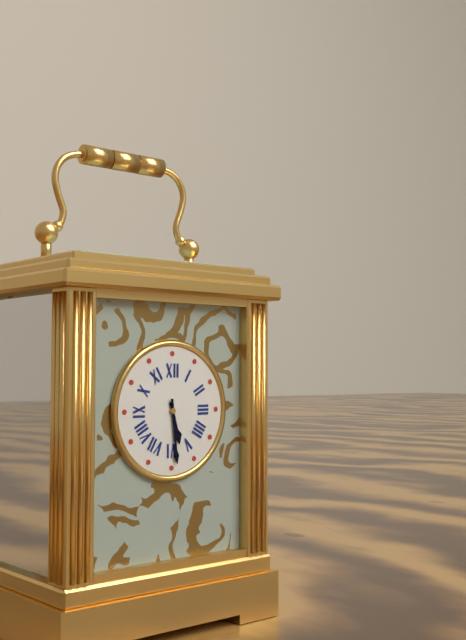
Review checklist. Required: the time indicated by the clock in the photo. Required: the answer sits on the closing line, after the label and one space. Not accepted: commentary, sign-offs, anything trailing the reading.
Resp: 5:29
